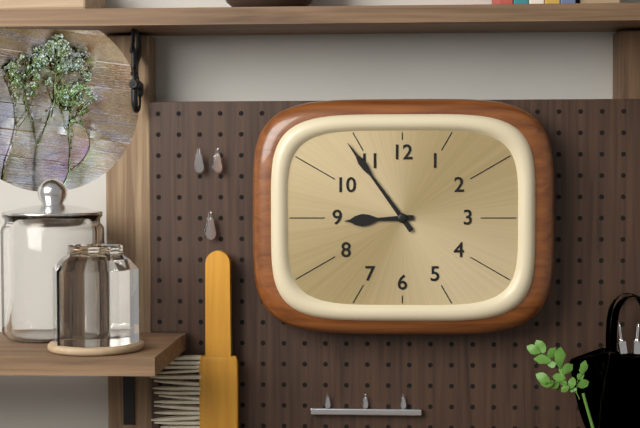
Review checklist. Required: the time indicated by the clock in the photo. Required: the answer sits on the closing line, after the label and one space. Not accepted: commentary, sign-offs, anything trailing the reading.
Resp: 8:54
